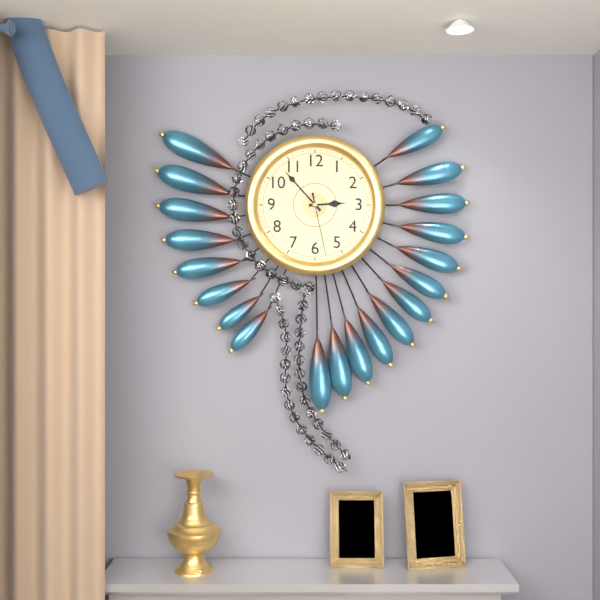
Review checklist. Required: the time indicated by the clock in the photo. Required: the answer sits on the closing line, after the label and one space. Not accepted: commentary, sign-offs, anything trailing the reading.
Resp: 2:53:28
